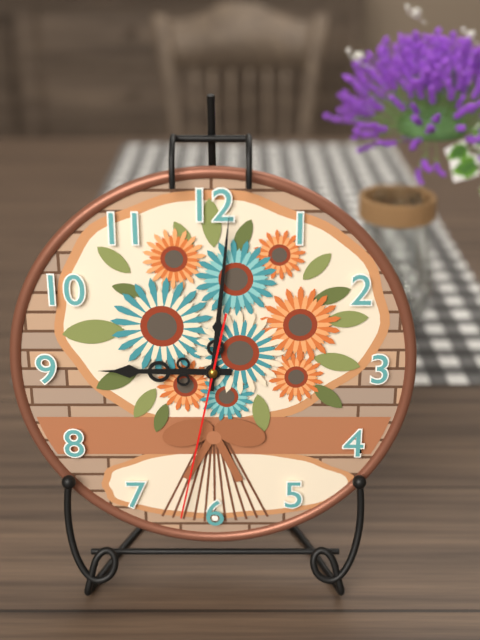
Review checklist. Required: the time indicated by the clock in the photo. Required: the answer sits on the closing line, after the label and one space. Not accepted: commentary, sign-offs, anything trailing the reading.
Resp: 9:01:32
